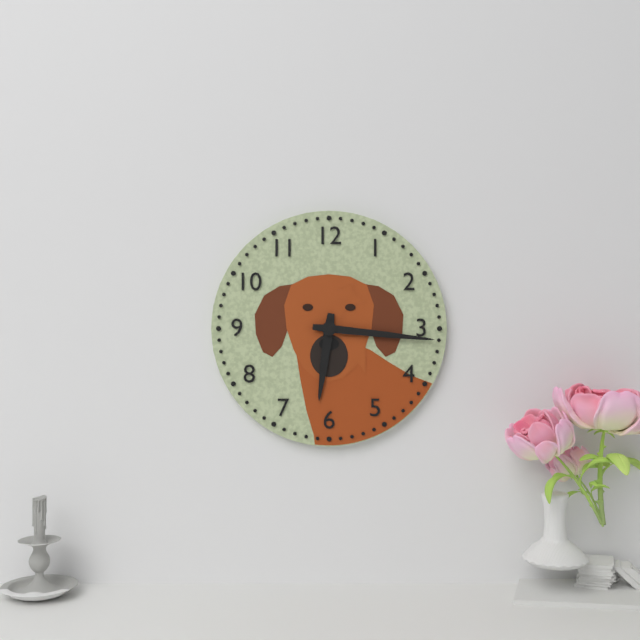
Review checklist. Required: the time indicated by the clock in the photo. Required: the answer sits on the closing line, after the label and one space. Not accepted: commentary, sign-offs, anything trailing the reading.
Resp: 6:16
